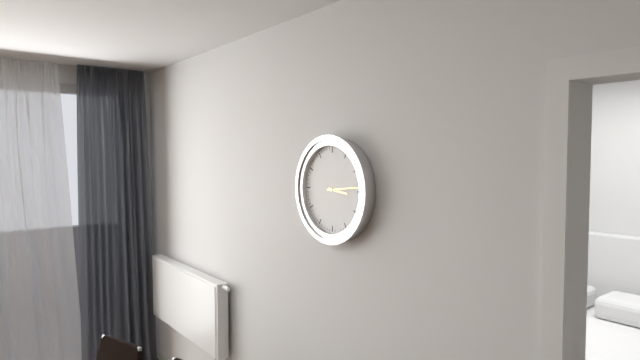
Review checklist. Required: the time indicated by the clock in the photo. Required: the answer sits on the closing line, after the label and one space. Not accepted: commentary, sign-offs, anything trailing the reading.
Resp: 3:14
